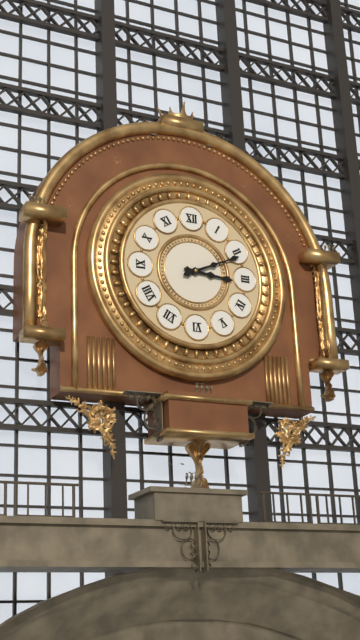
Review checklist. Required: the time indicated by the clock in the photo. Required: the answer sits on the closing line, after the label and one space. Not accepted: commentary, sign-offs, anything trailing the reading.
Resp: 3:11
